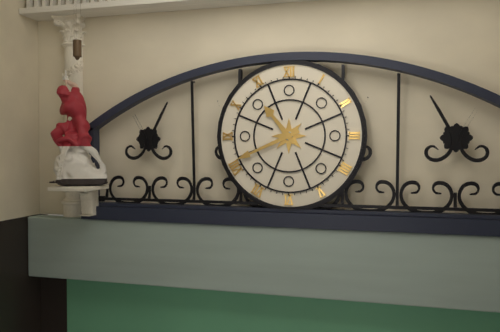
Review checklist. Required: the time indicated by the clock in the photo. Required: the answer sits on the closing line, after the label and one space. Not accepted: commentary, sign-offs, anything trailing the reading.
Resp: 10:41
